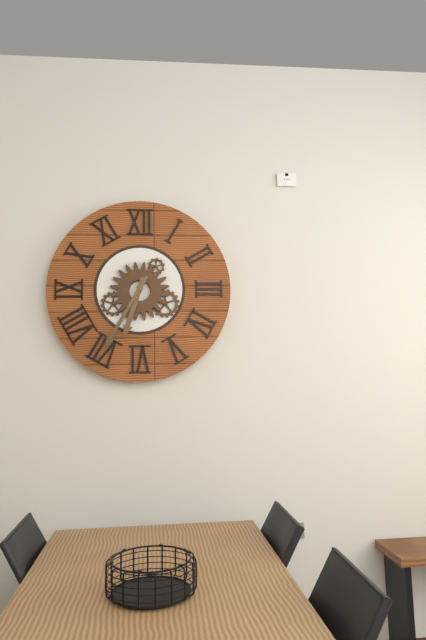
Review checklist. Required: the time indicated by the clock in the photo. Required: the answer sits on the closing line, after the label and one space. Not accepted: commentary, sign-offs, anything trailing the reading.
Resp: 6:35
